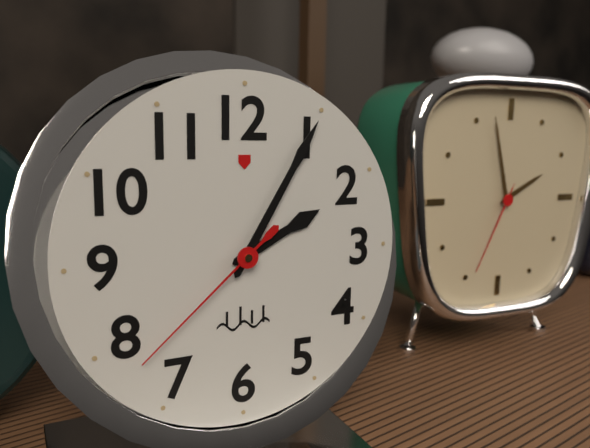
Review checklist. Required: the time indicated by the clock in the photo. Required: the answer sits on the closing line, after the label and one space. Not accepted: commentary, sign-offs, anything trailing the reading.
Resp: 2:05:38
